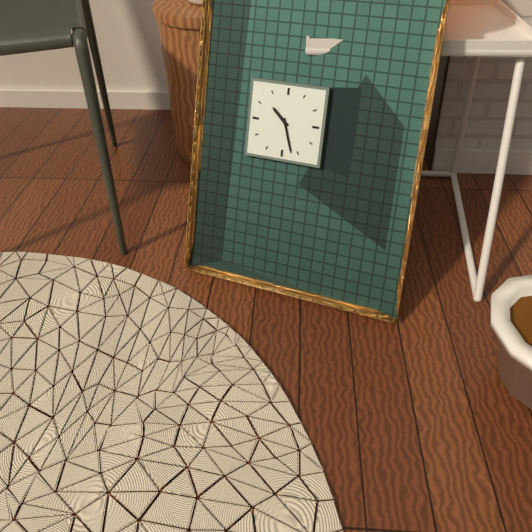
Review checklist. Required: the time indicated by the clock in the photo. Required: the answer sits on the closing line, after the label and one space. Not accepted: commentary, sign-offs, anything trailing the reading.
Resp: 10:27
